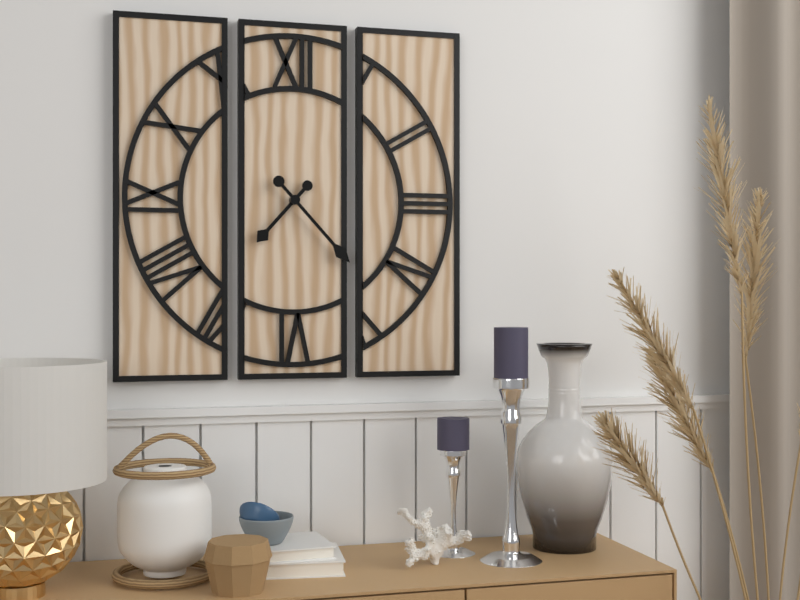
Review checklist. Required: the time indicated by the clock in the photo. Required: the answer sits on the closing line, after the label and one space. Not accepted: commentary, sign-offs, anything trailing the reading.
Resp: 7:23
